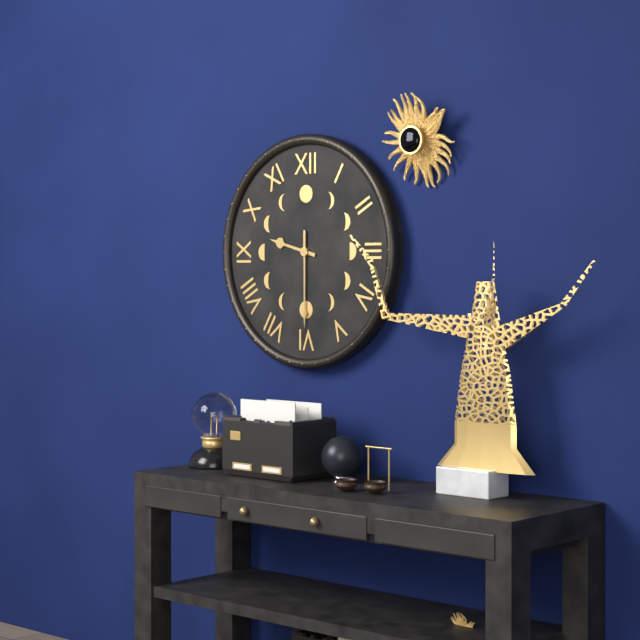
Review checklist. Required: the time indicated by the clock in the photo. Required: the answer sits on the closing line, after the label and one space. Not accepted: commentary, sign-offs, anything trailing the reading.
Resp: 9:30
